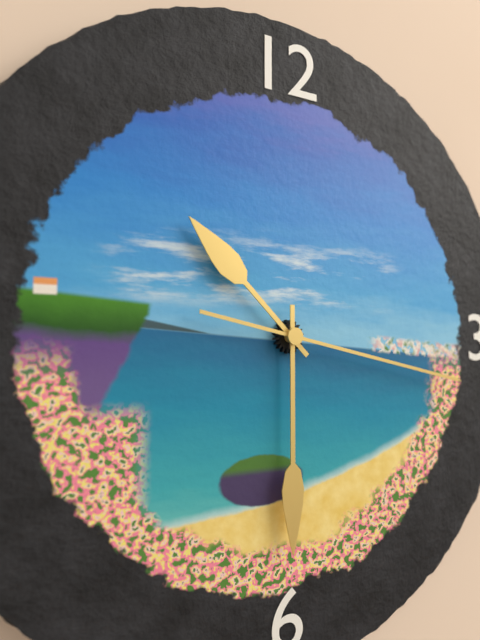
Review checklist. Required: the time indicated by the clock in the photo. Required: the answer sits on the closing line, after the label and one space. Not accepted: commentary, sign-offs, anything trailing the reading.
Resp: 10:30:17
